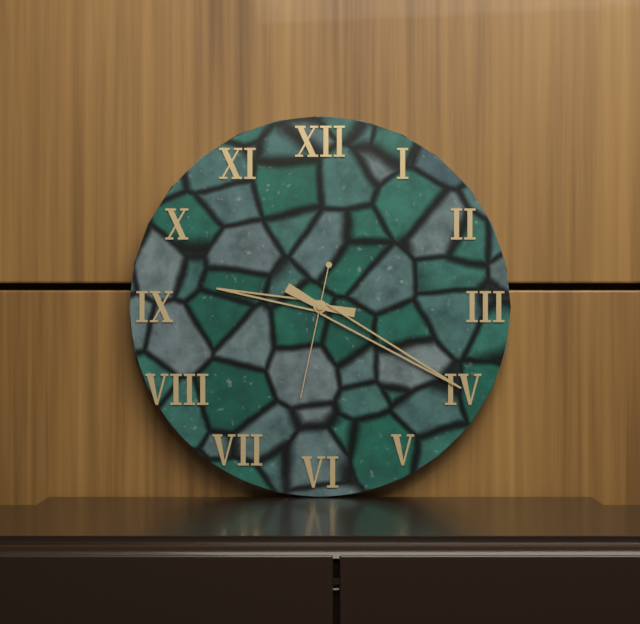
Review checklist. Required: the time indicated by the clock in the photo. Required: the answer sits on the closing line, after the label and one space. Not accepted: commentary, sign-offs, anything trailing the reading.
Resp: 9:20:32
